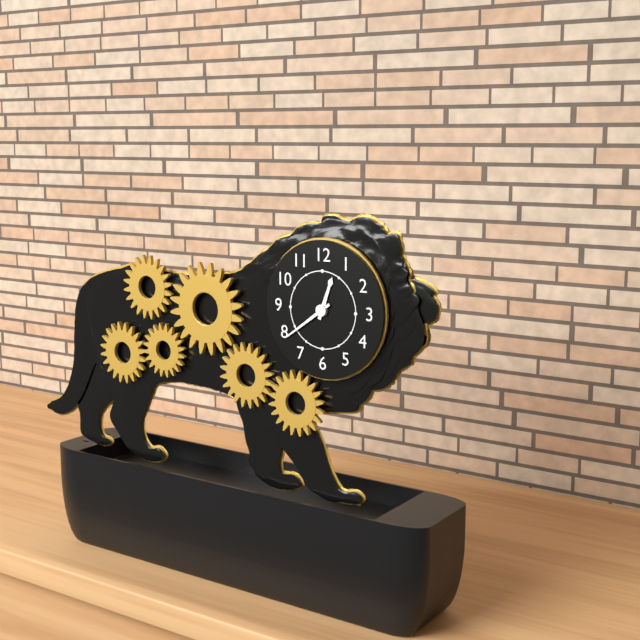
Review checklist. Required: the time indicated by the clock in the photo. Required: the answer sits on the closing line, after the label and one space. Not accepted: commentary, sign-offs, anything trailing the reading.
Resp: 12:39
